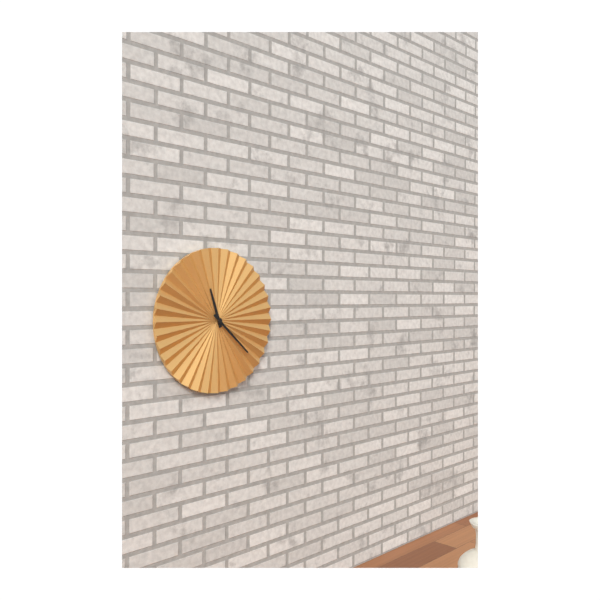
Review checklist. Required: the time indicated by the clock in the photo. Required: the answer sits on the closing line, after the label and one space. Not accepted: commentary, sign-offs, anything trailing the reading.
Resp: 11:22
